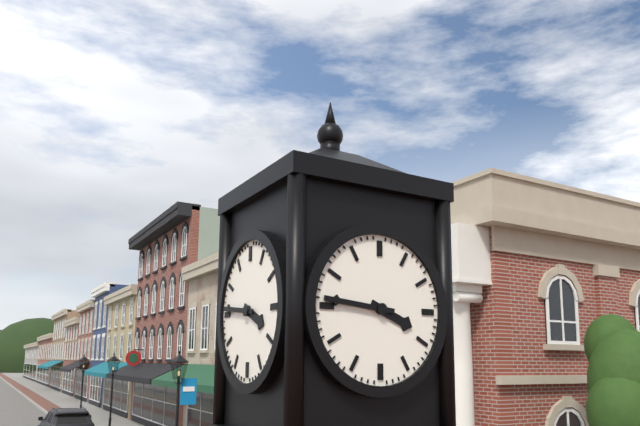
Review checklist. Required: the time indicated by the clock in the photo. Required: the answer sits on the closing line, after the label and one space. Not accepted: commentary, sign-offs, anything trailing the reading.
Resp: 3:46
